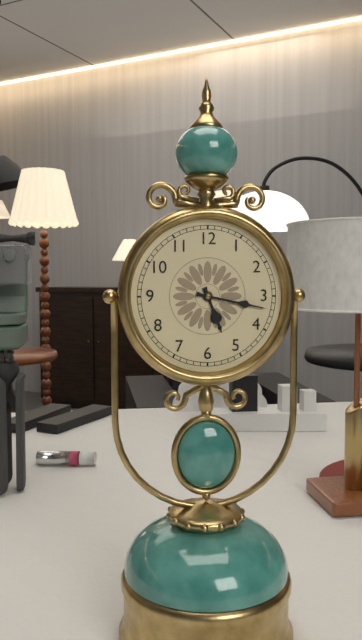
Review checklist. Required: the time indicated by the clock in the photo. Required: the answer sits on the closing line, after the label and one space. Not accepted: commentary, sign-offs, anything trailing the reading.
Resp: 5:17
